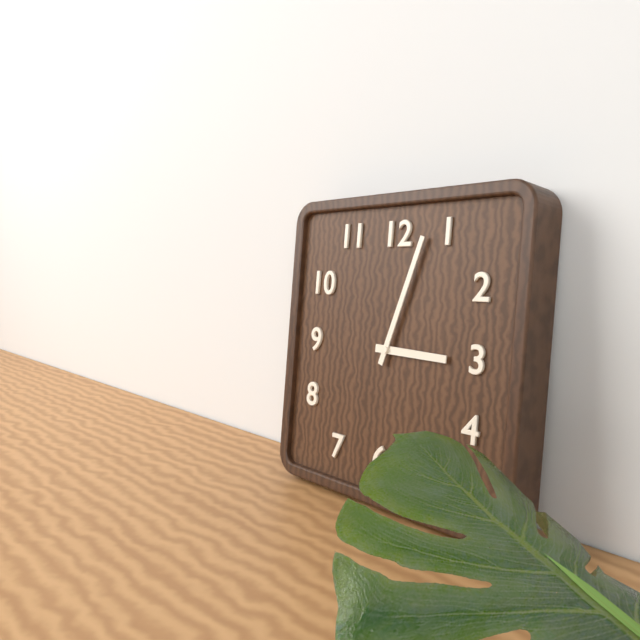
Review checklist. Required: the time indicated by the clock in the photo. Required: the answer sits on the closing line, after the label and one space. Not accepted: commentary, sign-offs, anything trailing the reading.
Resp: 3:03
